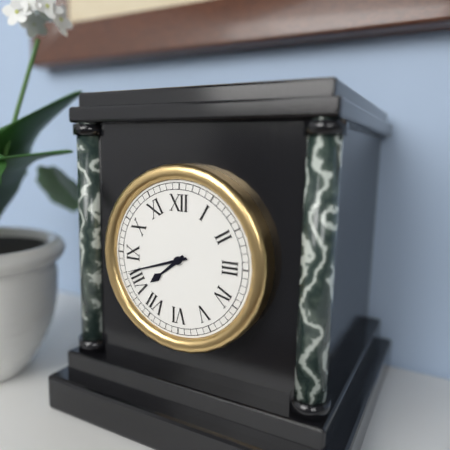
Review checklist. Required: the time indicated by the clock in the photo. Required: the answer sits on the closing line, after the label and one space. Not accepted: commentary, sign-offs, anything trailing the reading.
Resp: 7:42
